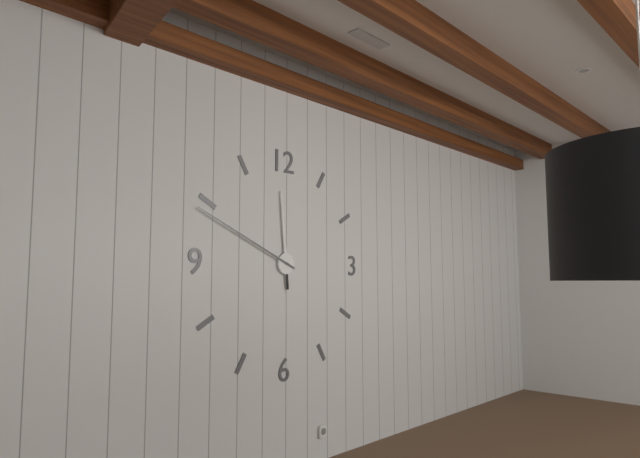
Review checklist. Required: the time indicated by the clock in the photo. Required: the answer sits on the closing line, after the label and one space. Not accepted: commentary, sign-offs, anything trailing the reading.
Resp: 11:49
